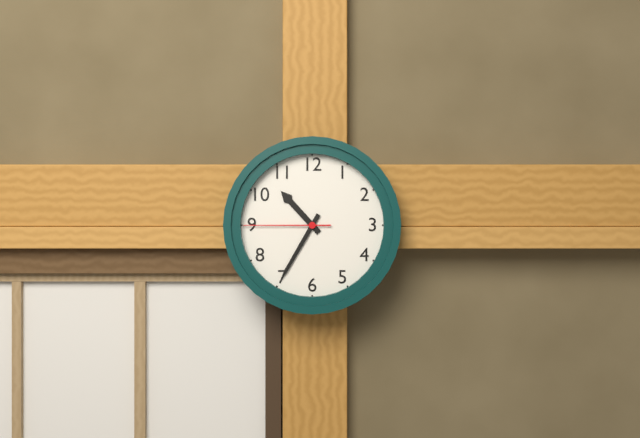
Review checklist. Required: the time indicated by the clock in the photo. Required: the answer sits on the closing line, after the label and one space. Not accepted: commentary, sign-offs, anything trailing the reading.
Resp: 10:35:45
